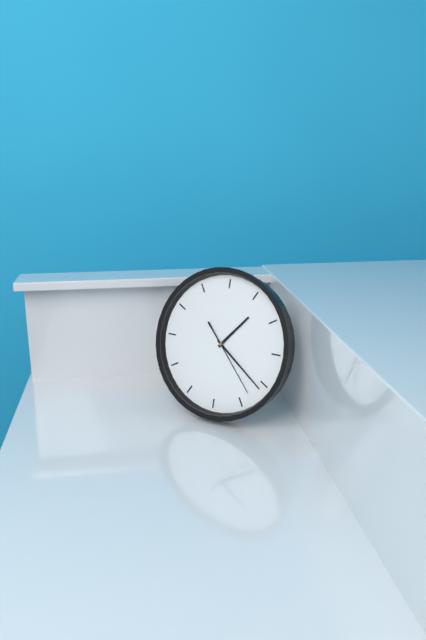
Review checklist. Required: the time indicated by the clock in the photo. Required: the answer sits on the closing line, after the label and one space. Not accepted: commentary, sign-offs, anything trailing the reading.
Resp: 1:21:23
